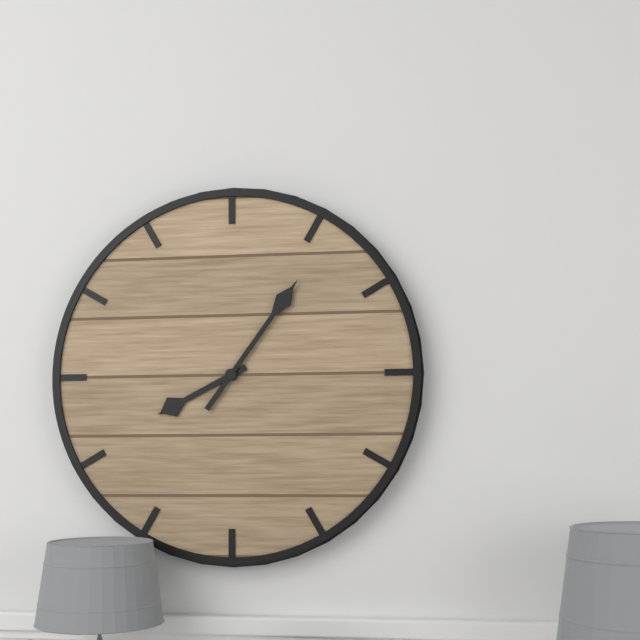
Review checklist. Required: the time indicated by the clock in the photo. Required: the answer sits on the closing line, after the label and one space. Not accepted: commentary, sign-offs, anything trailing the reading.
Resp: 8:06
